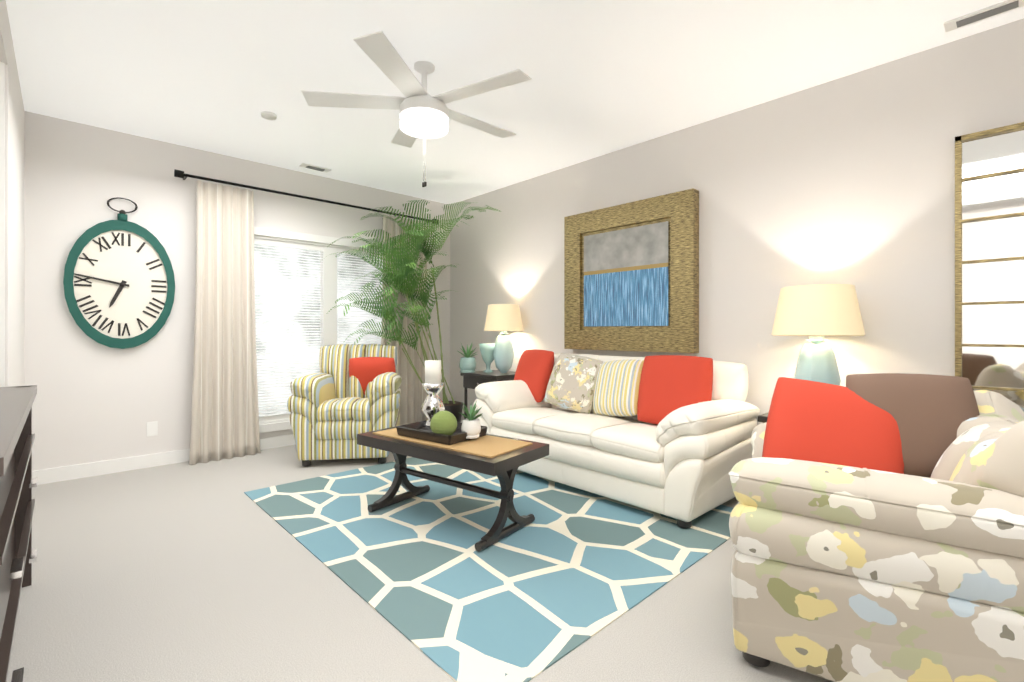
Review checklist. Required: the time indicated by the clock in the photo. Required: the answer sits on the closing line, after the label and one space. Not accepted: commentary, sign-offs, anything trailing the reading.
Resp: 6:47
